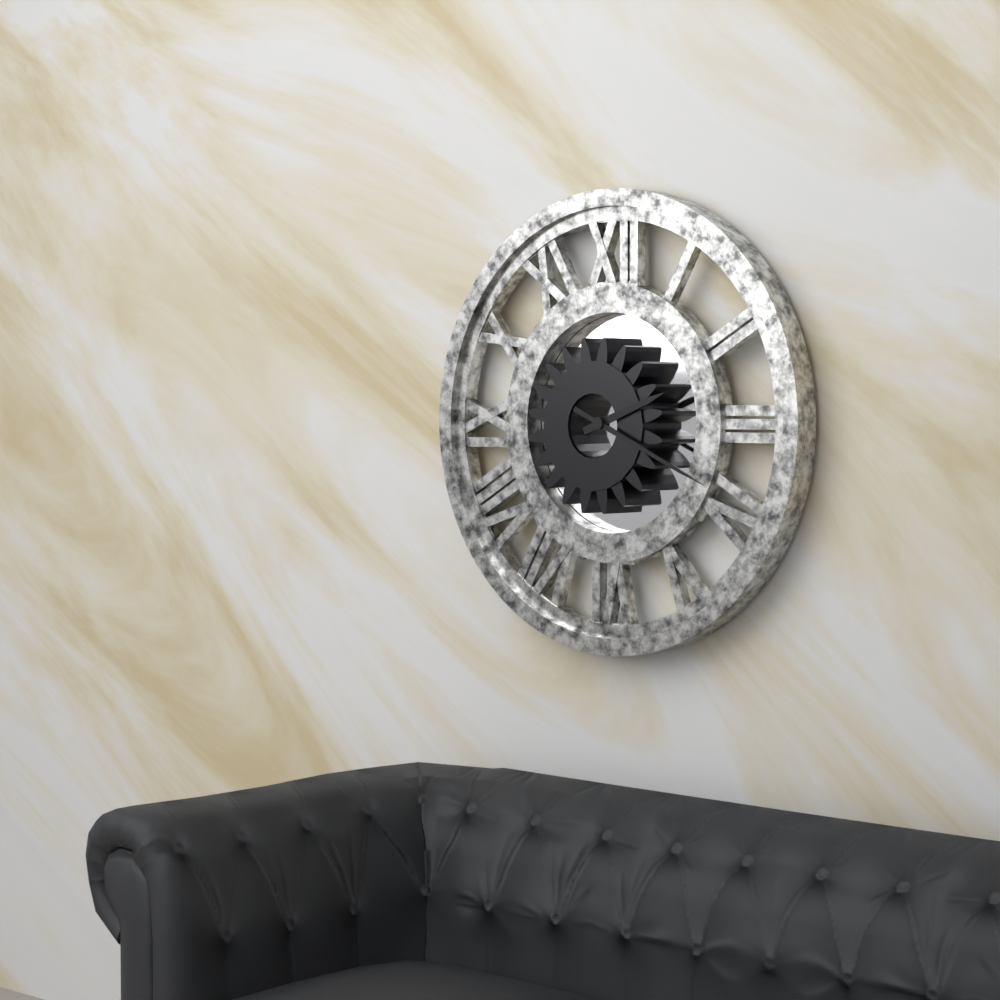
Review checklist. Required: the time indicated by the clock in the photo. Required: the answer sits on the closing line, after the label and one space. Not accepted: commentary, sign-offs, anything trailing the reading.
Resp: 2:19
